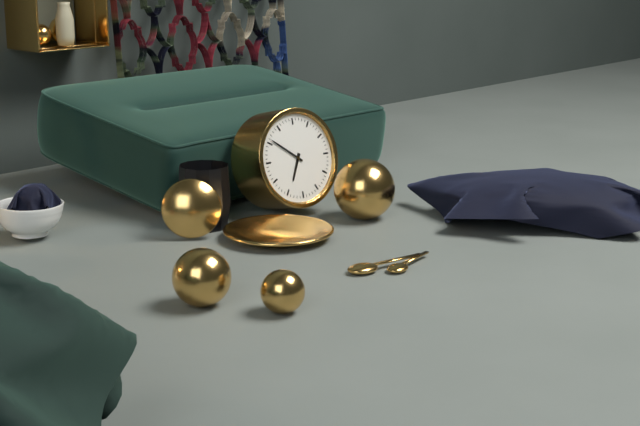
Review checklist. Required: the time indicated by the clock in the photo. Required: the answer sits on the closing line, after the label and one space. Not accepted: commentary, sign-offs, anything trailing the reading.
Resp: 6:51
